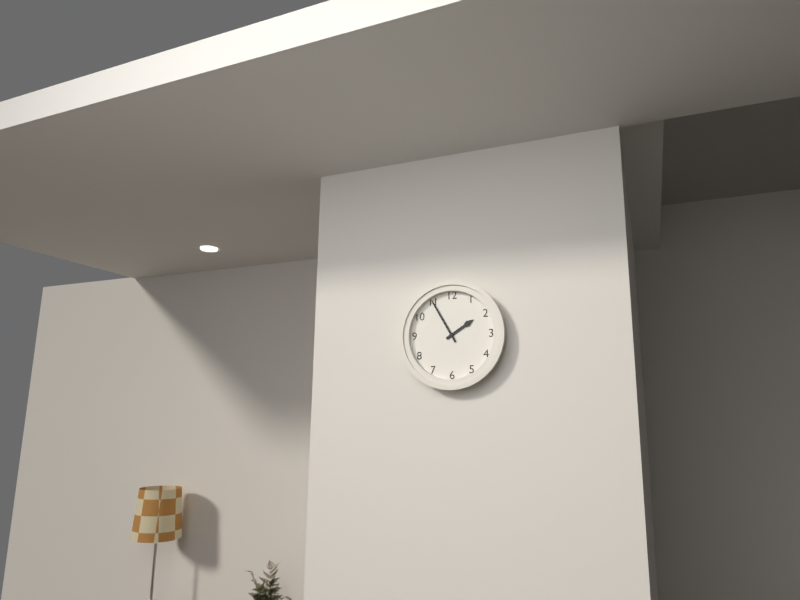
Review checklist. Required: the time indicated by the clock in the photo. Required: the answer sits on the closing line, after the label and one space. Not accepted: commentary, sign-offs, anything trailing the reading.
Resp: 1:55
